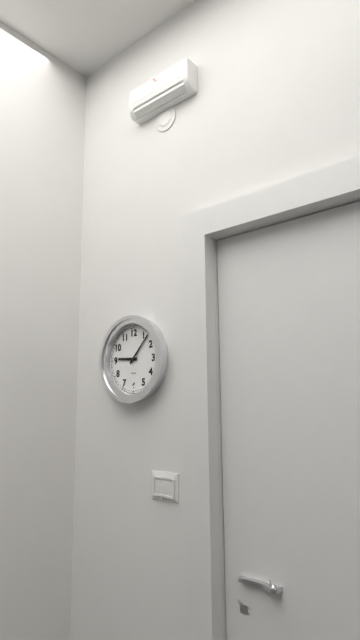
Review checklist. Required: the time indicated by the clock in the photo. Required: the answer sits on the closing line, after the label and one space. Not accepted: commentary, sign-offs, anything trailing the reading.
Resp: 9:07
